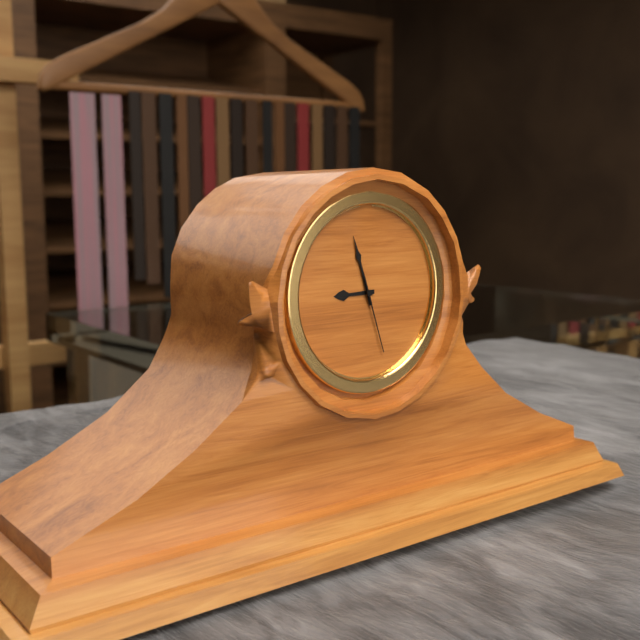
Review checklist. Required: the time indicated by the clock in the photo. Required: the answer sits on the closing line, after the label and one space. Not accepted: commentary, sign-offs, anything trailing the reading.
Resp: 8:57:27
